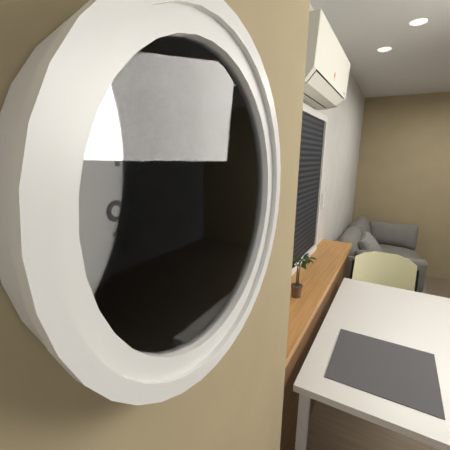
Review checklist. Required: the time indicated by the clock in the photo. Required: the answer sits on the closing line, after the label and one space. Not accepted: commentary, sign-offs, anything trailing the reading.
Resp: 3:38
